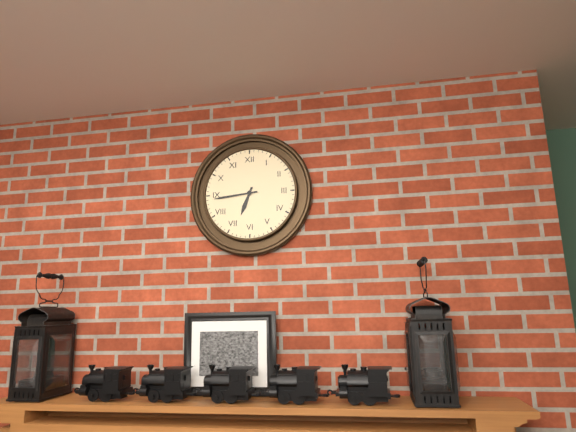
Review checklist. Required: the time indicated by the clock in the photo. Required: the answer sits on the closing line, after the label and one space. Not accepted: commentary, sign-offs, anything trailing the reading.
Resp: 6:44
